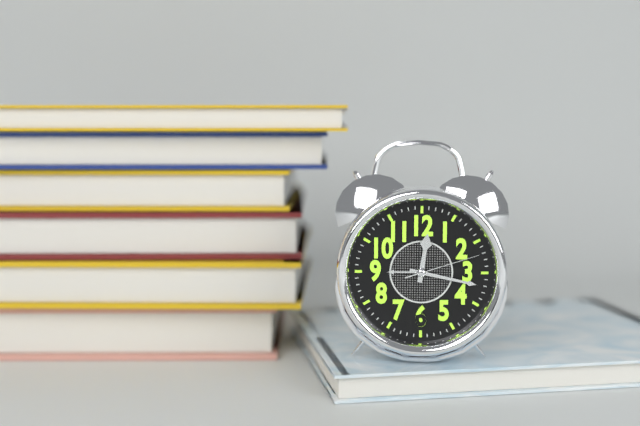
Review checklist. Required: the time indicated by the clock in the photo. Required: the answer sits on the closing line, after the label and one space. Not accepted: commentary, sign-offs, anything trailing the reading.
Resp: 12:17:12
